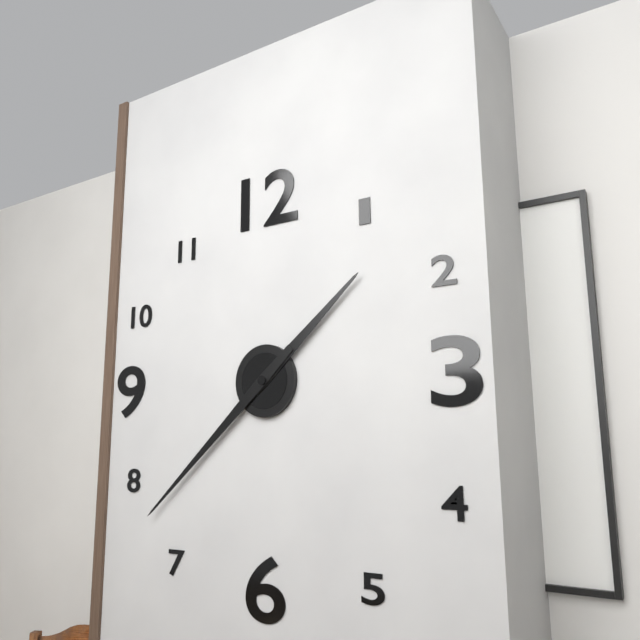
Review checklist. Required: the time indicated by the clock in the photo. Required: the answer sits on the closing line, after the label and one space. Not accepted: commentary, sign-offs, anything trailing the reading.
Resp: 1:38
